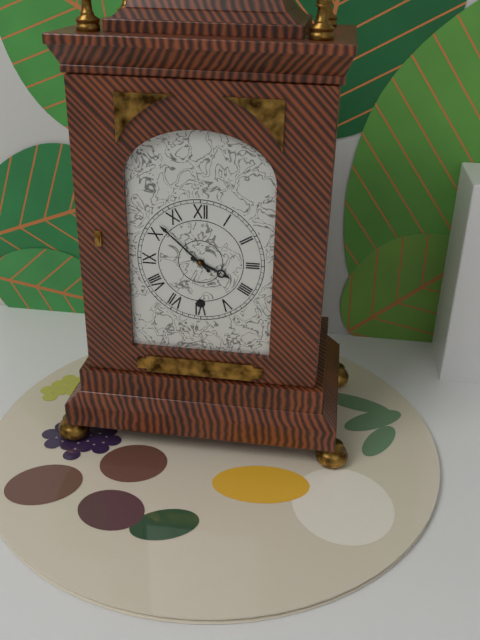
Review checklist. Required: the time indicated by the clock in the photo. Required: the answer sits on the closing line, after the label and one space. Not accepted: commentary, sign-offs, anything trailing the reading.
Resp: 3:52
